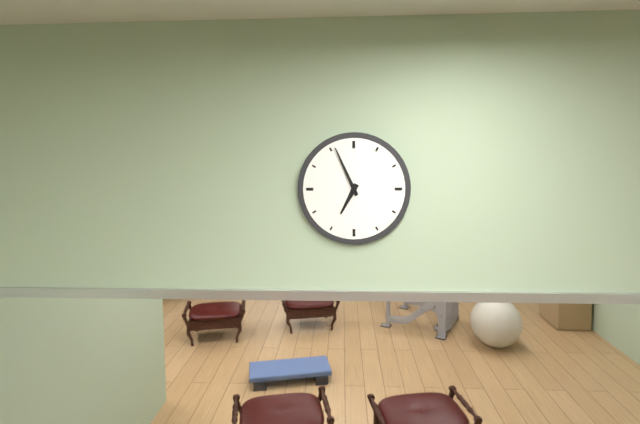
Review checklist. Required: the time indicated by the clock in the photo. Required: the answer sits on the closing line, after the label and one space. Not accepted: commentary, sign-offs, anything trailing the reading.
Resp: 6:56
